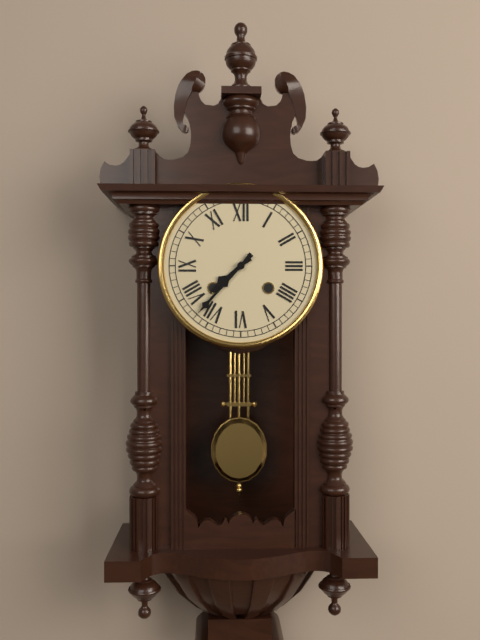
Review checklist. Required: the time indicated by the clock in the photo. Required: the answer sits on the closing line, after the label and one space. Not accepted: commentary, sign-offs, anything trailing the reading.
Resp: 7:37
